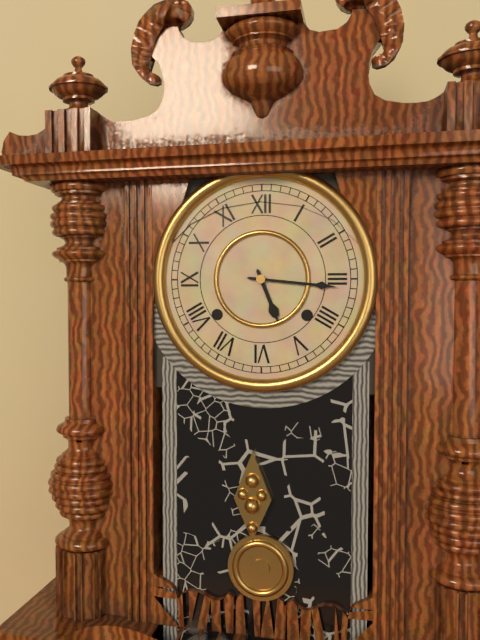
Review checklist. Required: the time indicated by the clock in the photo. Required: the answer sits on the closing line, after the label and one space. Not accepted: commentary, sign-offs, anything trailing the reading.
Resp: 5:16
